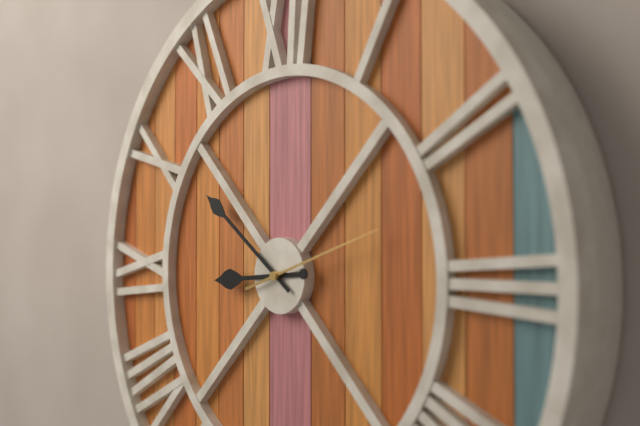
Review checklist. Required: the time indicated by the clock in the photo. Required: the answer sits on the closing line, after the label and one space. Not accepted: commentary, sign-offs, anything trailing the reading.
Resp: 8:51:12
